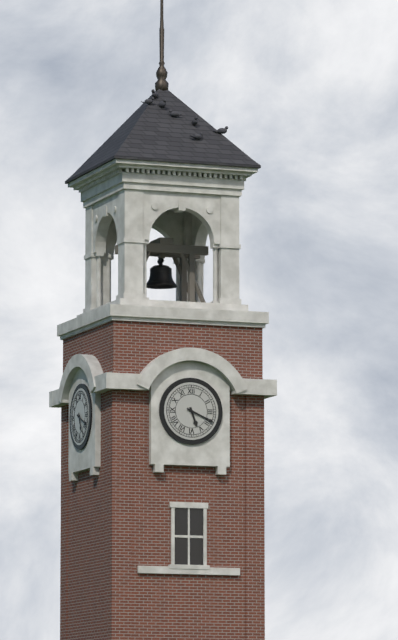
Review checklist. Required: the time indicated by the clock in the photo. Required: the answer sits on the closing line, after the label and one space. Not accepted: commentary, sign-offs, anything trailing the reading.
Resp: 5:19
